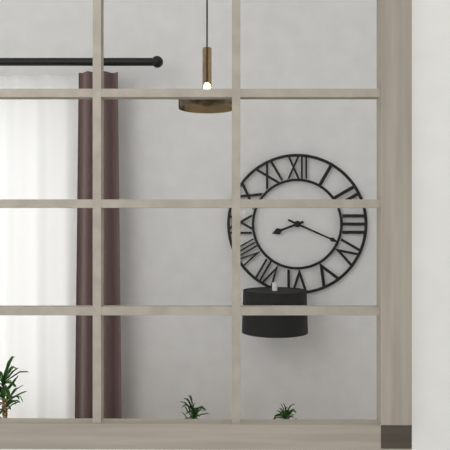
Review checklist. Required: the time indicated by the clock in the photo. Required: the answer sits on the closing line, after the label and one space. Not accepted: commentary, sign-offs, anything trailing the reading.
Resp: 8:19
